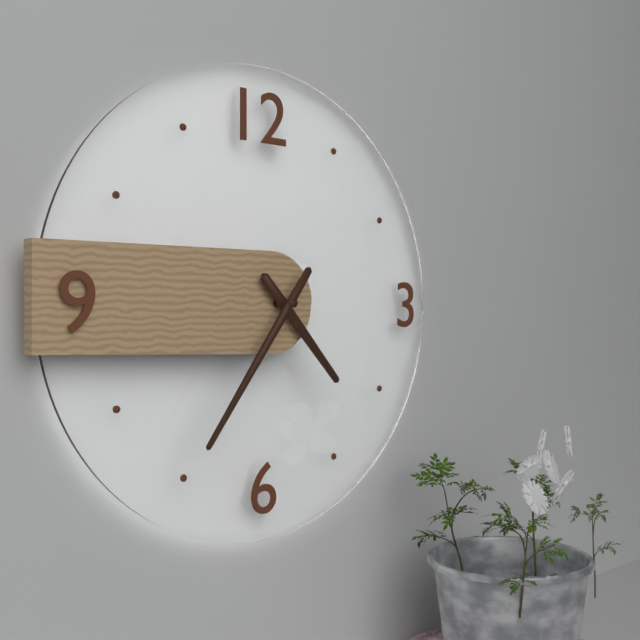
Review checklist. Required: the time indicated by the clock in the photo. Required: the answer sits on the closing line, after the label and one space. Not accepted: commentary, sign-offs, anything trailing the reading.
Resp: 4:36
